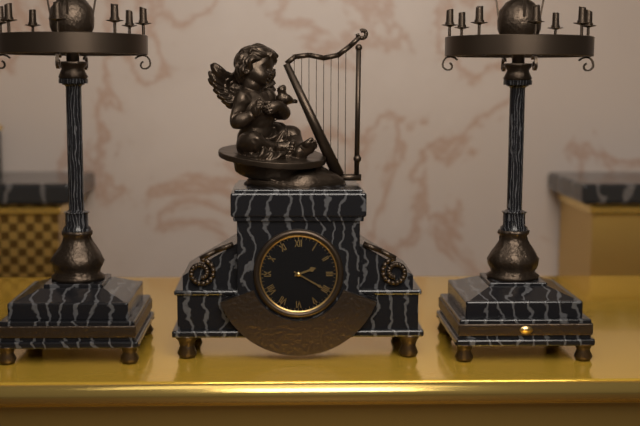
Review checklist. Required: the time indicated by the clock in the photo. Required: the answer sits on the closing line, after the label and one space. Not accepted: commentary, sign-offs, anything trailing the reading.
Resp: 2:20
